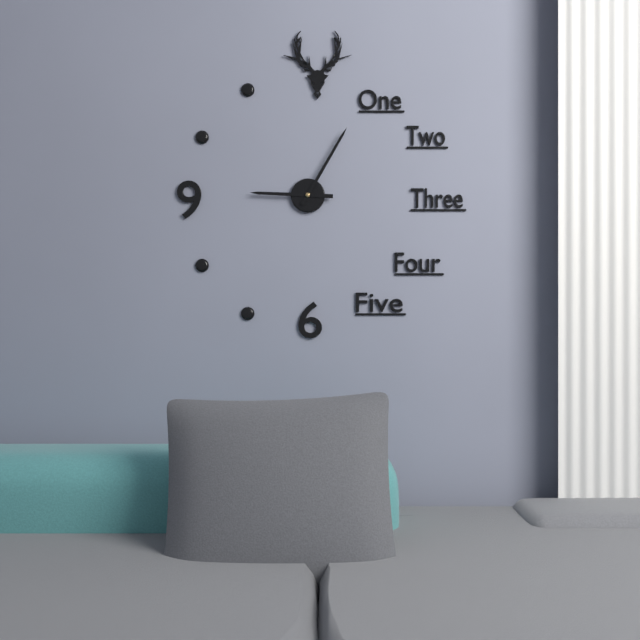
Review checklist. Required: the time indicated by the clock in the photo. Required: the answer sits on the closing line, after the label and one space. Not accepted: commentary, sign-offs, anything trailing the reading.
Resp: 9:05
